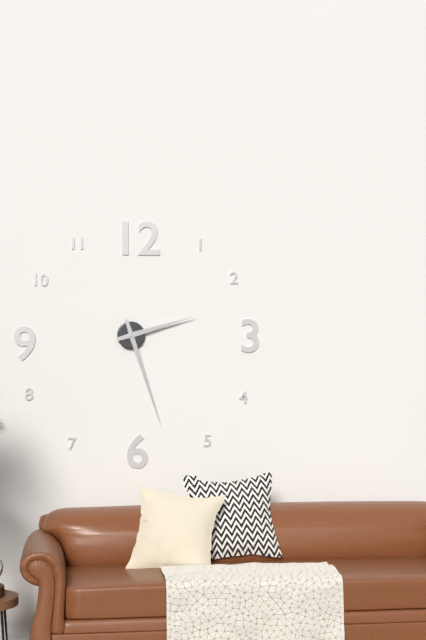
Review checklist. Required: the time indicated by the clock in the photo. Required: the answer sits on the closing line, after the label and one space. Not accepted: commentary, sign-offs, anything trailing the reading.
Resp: 2:27
